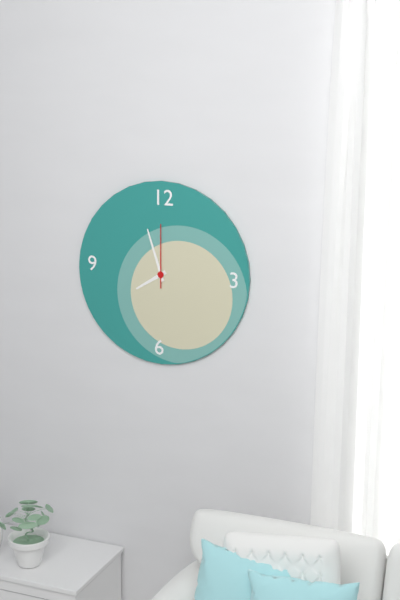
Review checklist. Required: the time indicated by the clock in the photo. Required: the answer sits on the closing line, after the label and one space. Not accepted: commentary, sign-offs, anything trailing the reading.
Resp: 7:57:00
